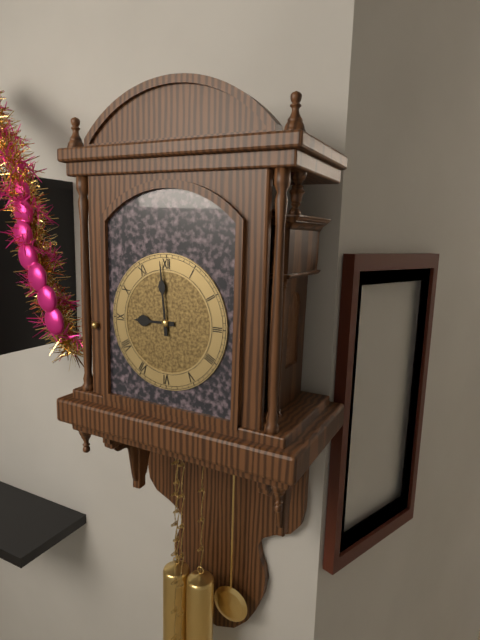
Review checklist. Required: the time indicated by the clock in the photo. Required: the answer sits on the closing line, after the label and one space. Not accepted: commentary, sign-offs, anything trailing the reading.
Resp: 8:59
